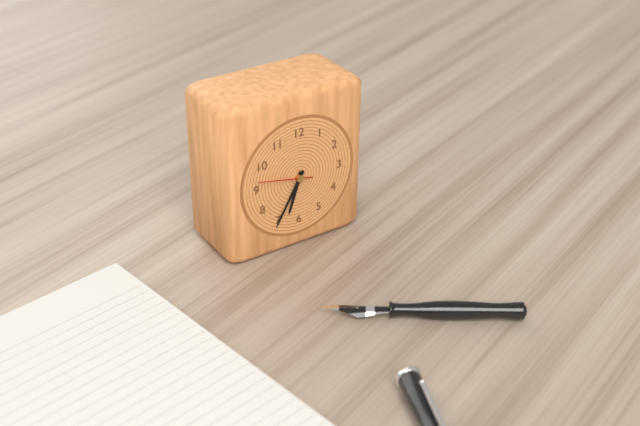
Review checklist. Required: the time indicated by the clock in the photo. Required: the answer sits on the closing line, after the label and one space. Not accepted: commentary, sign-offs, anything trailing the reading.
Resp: 6:35:47
